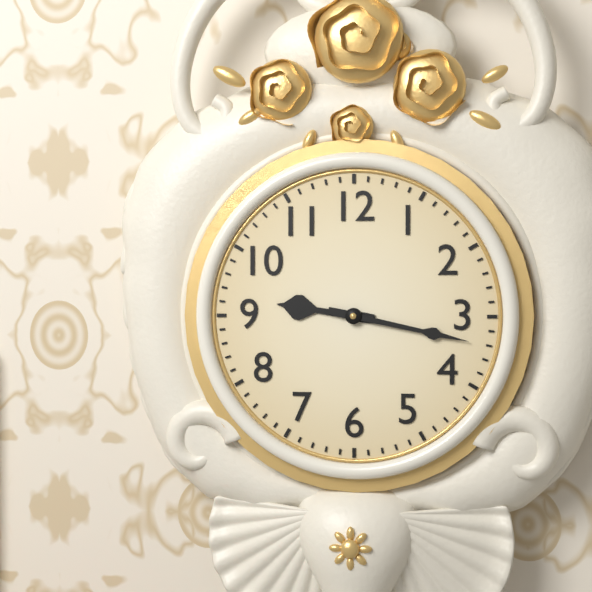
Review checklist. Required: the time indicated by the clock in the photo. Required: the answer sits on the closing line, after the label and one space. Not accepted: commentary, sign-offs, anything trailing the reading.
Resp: 9:17
